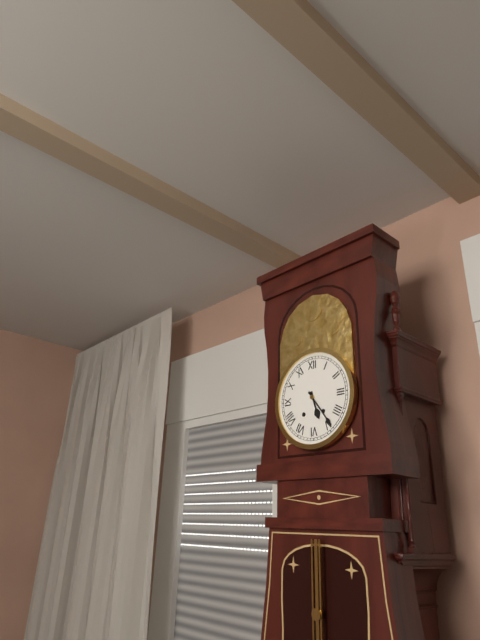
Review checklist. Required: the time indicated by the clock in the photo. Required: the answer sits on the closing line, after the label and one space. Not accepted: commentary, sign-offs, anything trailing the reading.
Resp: 5:24
